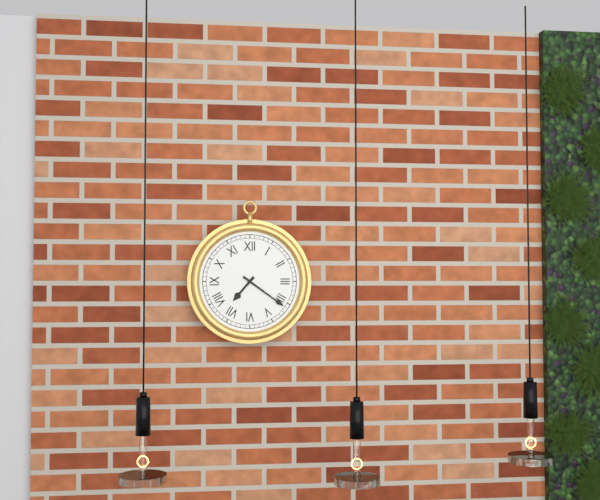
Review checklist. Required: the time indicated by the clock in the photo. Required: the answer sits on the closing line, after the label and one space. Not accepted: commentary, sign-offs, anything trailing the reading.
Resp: 7:21
